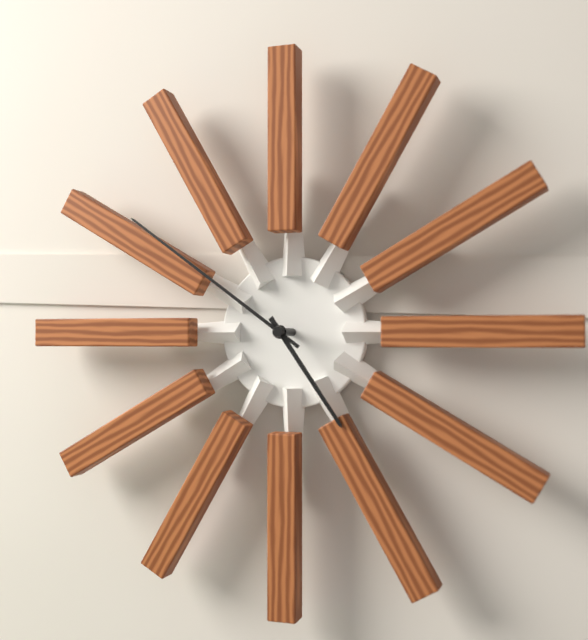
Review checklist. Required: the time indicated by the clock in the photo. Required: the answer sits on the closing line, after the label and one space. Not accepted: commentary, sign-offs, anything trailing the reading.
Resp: 4:51
